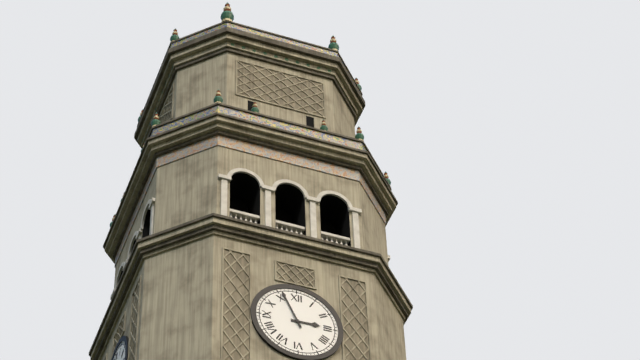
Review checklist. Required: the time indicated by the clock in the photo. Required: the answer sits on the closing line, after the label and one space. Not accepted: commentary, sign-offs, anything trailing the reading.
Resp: 2:56
